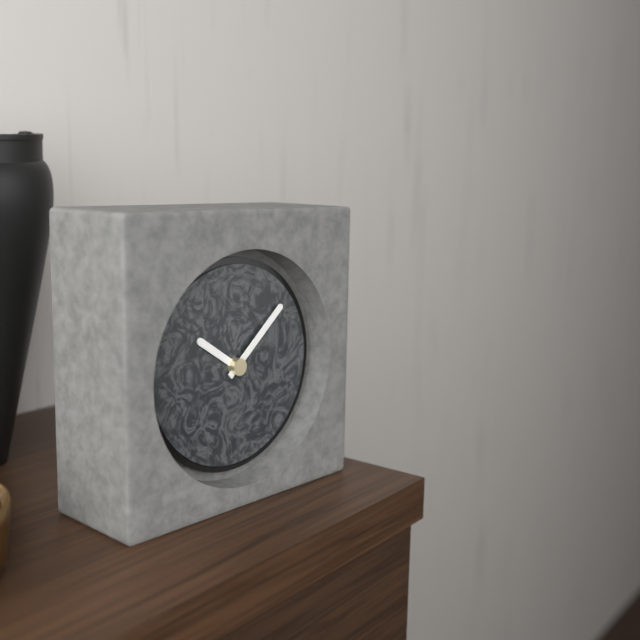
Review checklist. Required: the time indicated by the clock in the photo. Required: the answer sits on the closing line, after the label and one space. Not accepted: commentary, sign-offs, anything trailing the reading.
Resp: 10:08
